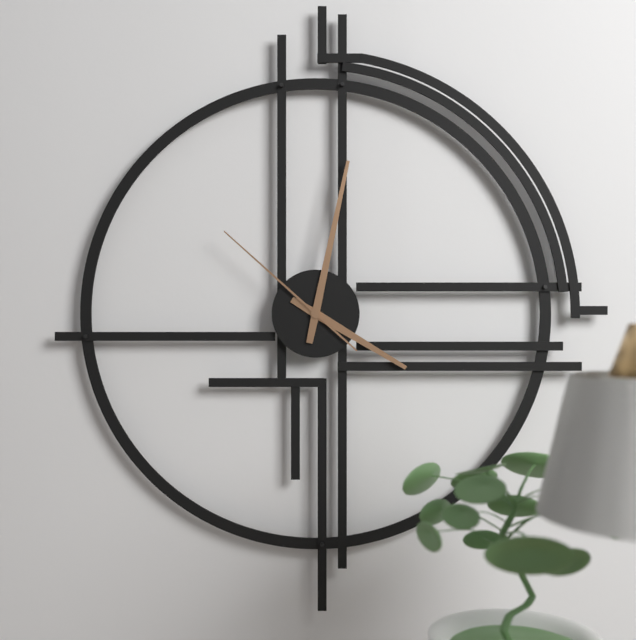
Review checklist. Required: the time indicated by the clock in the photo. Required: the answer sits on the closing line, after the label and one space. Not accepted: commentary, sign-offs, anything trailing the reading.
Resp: 4:02:52
